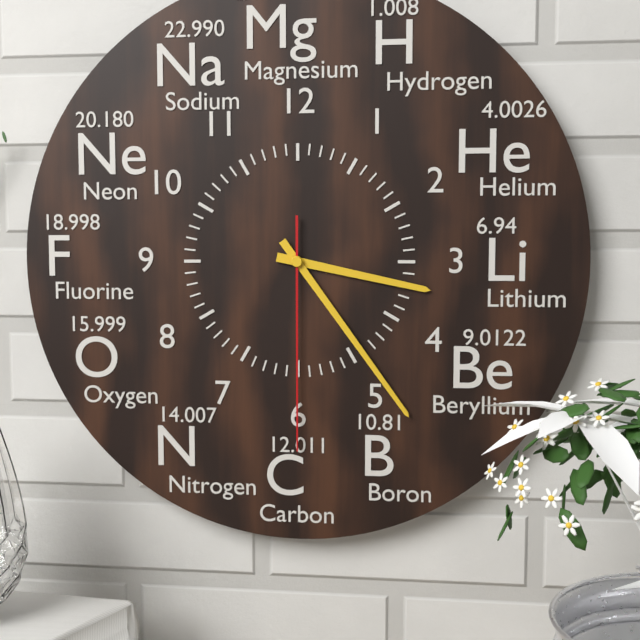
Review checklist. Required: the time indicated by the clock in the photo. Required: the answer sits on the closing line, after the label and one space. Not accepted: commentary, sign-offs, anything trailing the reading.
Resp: 3:24:30
